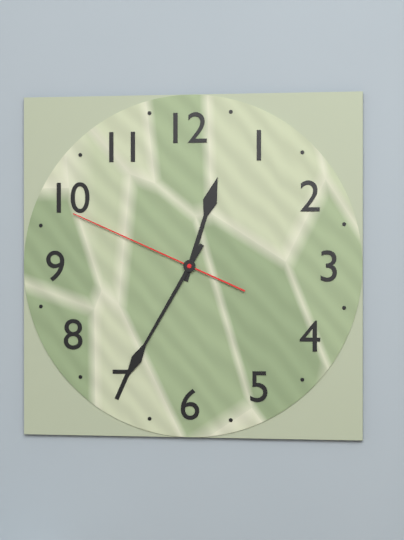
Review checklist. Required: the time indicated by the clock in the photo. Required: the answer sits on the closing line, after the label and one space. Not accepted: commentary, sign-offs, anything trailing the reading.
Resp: 12:35:49
